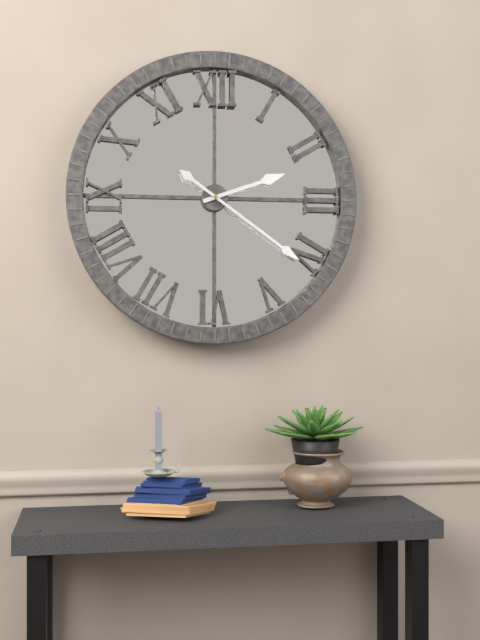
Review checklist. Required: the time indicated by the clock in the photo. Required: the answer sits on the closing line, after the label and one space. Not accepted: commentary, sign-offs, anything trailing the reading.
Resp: 2:21
